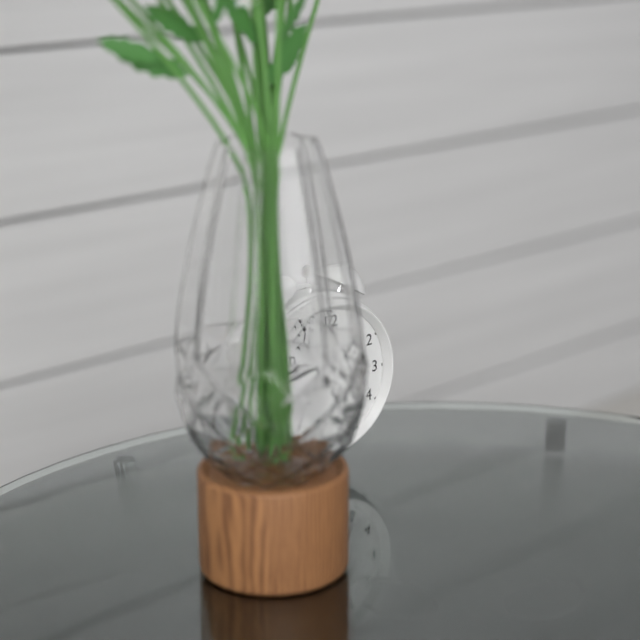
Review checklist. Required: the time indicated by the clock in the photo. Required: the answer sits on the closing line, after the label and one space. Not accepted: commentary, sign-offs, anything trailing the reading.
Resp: 4:47
